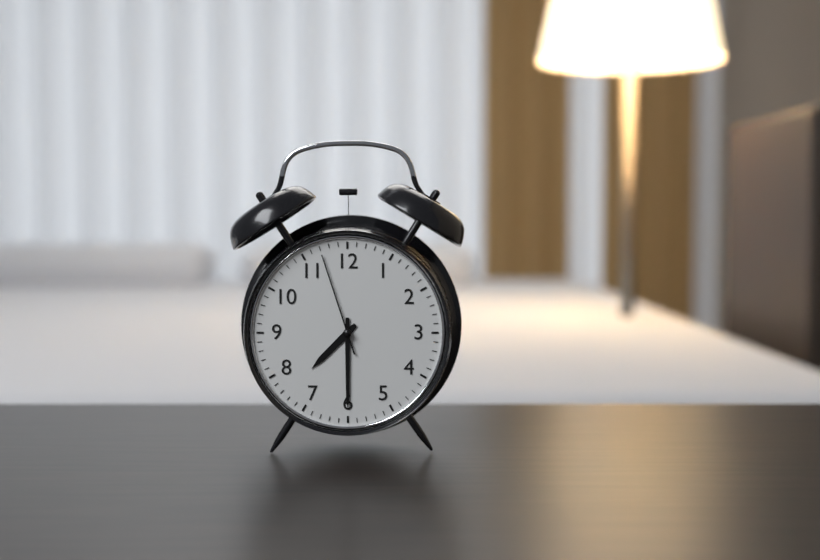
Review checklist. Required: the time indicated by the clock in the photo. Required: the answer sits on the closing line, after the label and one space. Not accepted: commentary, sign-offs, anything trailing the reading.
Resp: 7:30:57
